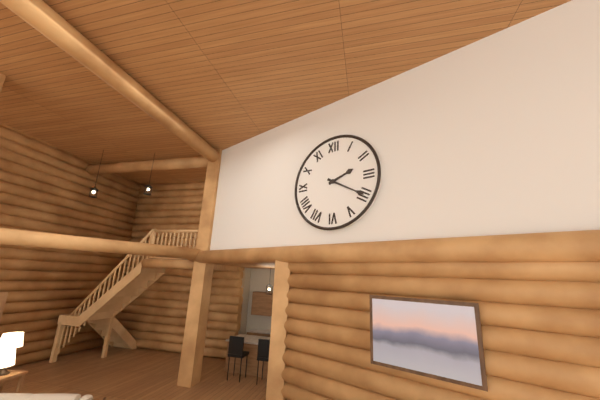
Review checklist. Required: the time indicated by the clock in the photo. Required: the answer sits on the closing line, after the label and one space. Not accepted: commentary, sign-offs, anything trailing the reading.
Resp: 2:20
